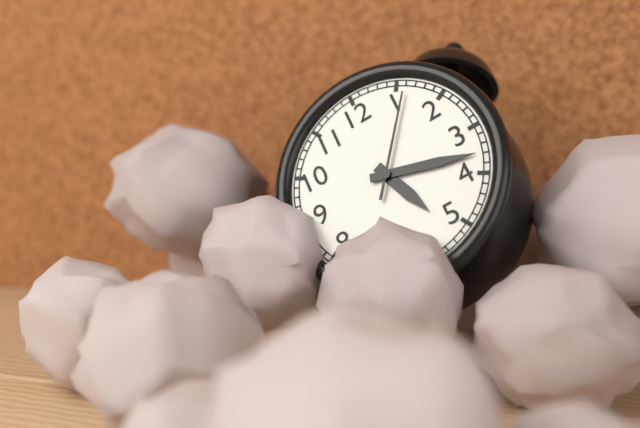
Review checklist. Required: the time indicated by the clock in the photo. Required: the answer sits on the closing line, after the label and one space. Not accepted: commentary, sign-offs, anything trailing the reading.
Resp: 5:18:06
